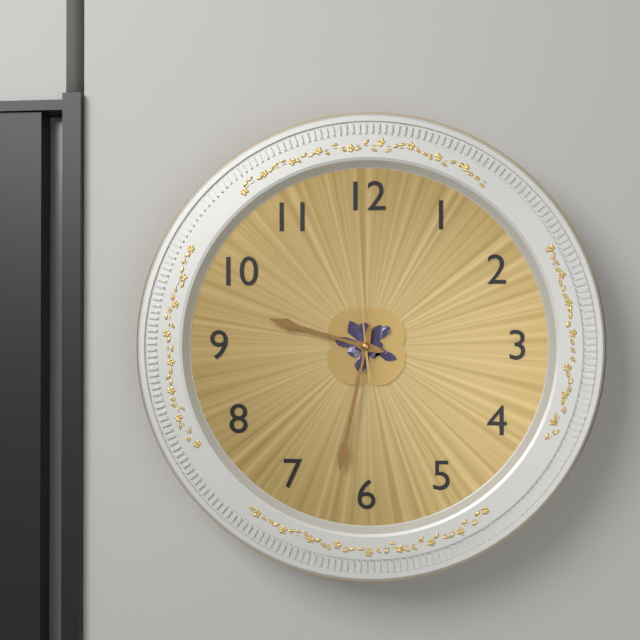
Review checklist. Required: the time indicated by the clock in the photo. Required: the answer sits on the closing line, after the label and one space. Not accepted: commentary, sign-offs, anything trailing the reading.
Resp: 9:32:59
